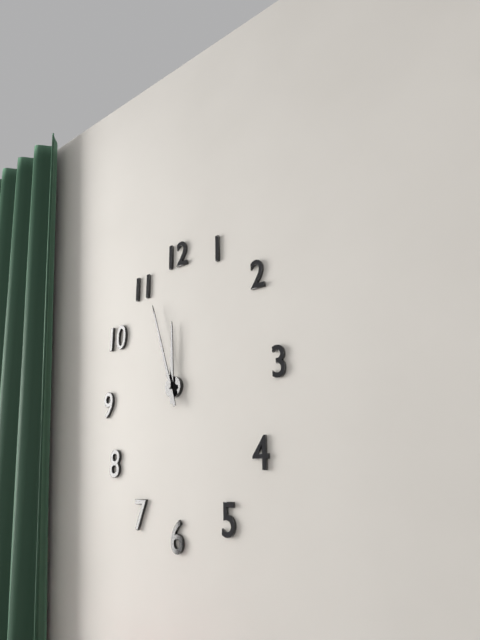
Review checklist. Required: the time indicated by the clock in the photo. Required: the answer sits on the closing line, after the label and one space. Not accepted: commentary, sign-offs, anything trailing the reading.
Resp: 11:57
